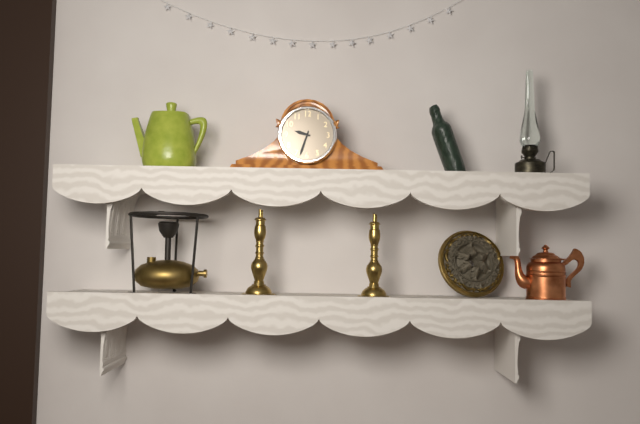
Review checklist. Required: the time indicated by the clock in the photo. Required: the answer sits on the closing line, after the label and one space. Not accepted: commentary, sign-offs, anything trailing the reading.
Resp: 9:33
